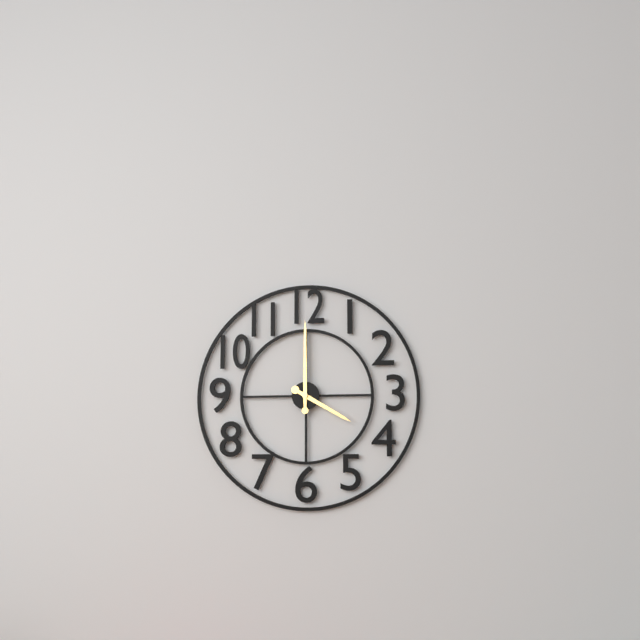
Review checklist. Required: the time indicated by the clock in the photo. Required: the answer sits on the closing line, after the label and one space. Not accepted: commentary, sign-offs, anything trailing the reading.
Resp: 4:00
